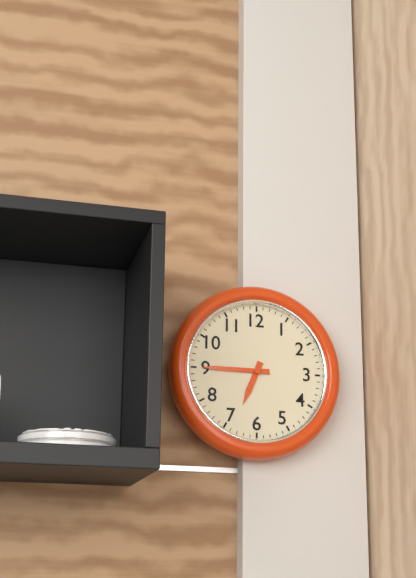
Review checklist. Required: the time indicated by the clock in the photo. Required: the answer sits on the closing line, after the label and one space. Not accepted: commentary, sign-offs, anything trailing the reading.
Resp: 6:45
